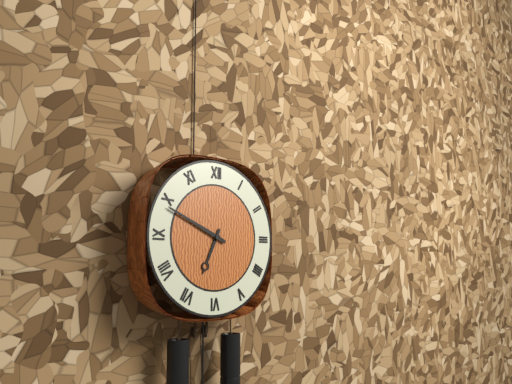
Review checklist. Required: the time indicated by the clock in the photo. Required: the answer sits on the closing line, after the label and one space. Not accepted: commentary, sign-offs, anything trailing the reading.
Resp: 6:49
